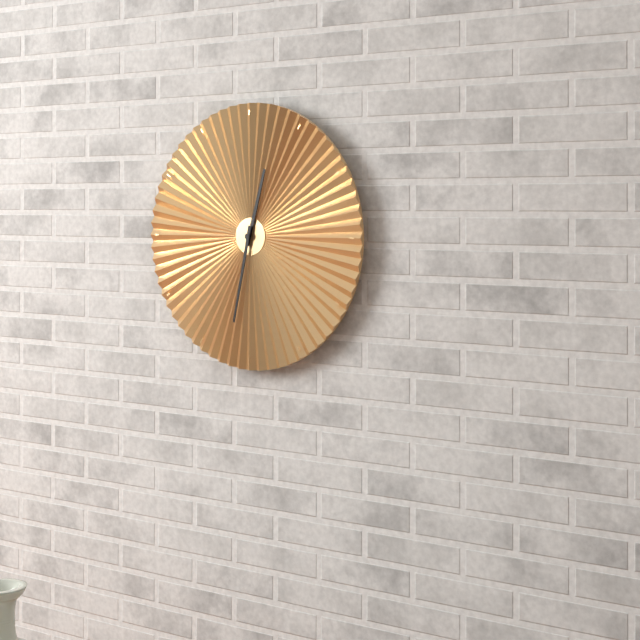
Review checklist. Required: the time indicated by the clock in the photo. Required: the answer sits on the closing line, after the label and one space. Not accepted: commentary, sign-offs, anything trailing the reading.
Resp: 12:32
